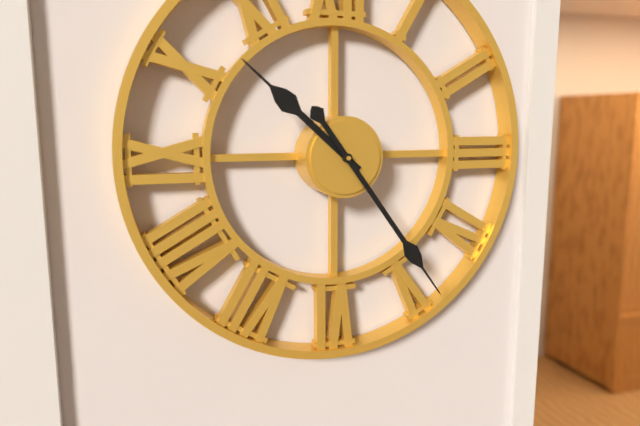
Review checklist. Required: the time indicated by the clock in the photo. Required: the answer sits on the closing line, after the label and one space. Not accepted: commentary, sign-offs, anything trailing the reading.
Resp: 10:24
